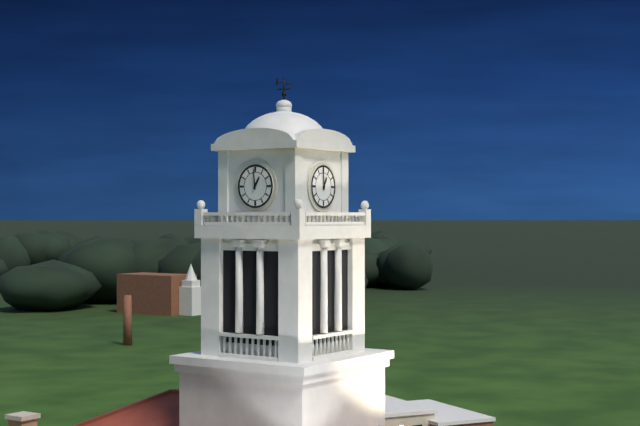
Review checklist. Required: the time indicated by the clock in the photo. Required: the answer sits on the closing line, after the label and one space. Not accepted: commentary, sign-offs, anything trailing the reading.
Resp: 12:59
